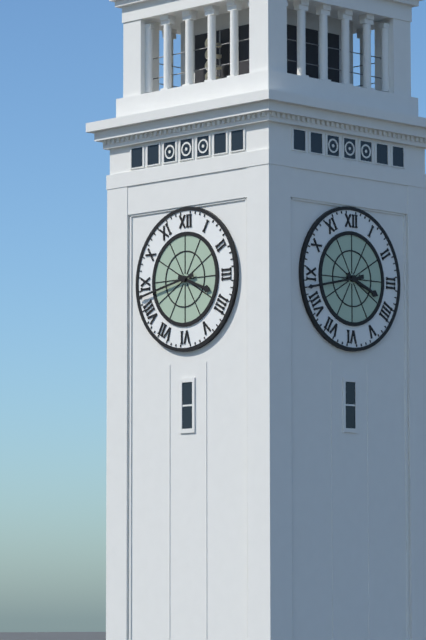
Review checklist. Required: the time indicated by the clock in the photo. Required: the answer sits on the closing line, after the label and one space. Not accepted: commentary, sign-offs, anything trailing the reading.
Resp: 3:43
